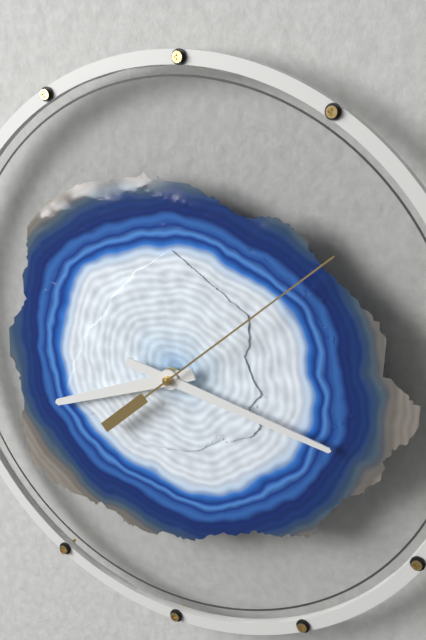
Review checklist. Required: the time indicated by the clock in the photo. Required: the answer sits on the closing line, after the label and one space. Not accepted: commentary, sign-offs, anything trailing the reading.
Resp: 8:17:08
